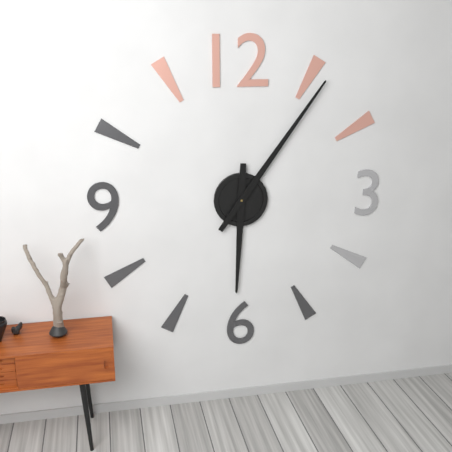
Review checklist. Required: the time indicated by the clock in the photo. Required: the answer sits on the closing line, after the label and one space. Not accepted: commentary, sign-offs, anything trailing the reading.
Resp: 6:06
